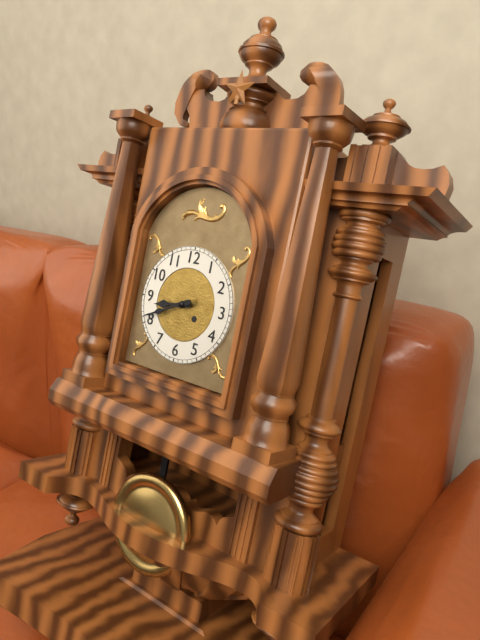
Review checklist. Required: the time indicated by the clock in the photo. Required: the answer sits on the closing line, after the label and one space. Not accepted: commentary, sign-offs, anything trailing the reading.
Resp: 8:41
